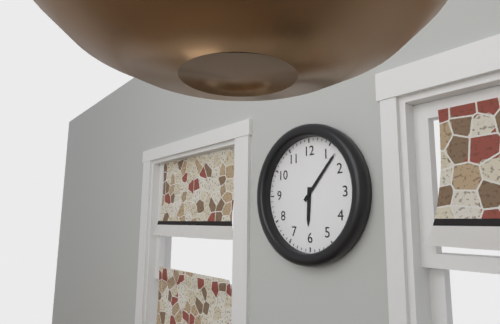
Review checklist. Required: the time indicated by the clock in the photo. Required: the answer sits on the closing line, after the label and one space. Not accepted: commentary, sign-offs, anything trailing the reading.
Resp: 6:07
